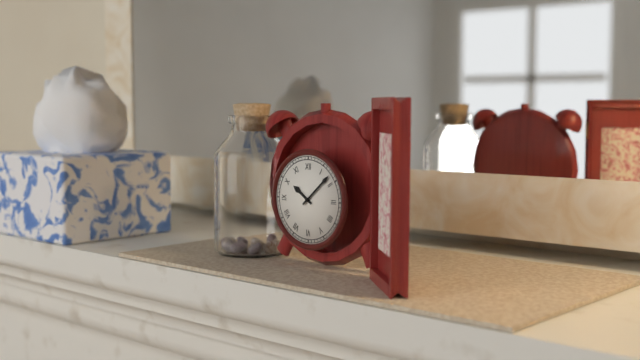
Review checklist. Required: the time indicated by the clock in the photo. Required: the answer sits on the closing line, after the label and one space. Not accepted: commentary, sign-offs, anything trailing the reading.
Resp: 10:08
